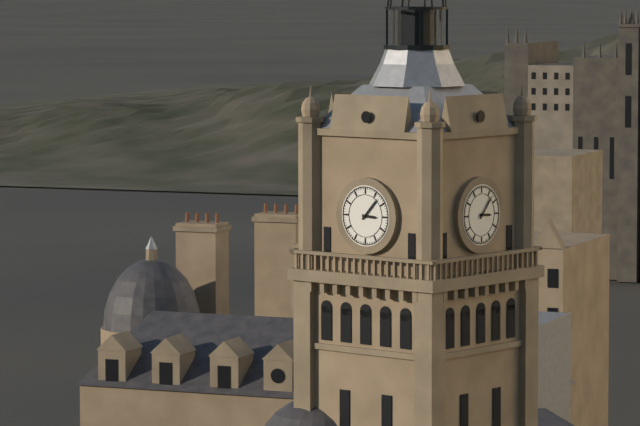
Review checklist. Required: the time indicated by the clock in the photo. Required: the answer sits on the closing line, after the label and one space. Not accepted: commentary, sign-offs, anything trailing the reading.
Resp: 3:07
